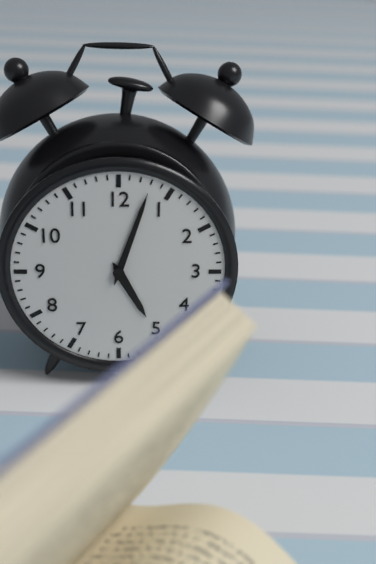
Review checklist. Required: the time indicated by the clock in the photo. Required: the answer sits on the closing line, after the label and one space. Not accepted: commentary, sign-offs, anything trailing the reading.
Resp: 5:03
